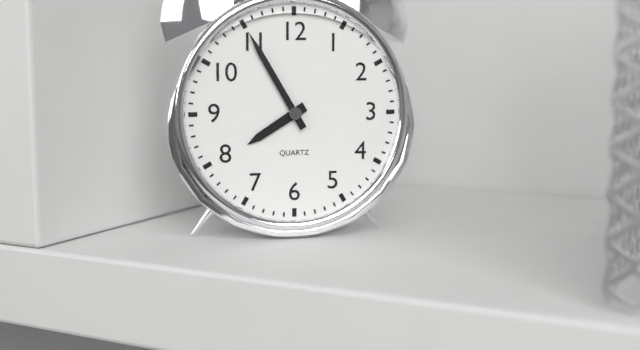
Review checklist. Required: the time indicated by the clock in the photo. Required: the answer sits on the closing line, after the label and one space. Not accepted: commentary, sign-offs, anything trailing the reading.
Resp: 7:55
